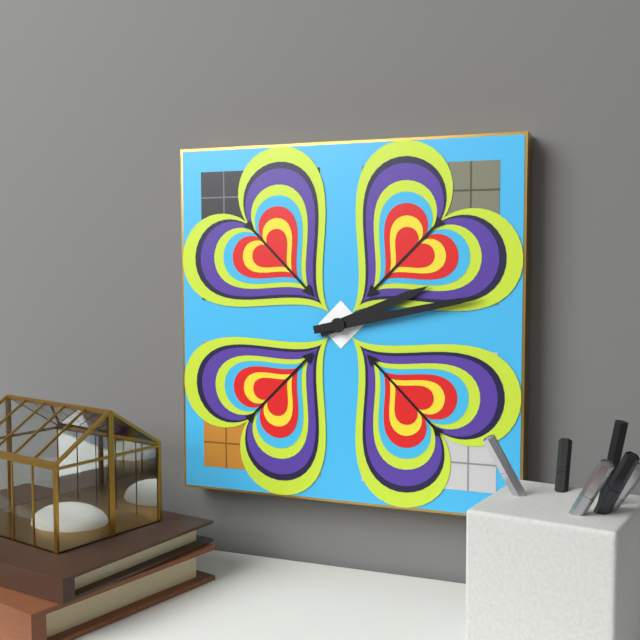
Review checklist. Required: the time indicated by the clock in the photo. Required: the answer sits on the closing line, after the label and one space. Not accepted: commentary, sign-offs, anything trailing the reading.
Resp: 2:13
